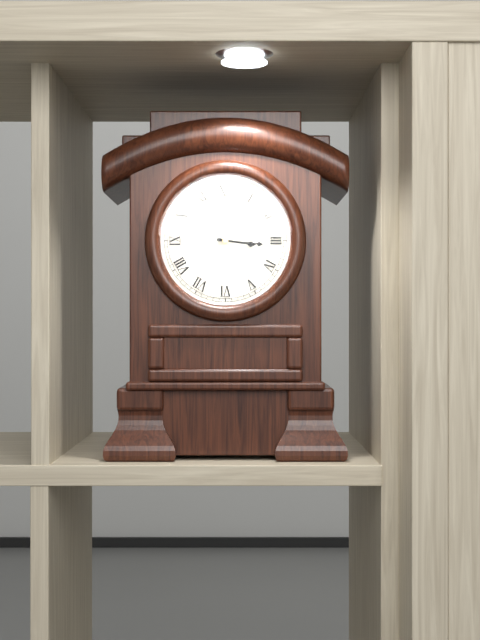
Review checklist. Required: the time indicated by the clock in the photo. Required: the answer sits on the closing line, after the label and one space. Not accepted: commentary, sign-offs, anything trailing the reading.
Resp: 3:16
